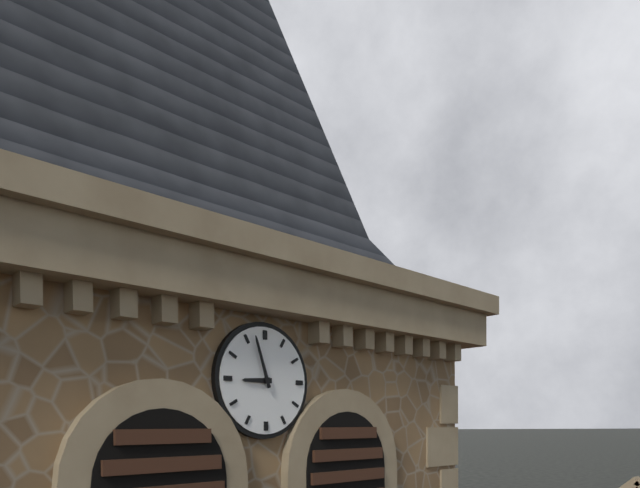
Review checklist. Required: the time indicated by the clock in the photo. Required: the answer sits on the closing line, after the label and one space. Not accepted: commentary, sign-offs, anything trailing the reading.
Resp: 8:57
